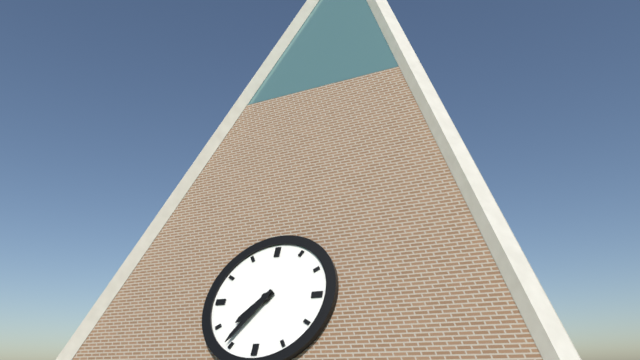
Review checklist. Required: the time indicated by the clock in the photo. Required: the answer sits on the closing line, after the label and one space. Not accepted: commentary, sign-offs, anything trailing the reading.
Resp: 7:36
